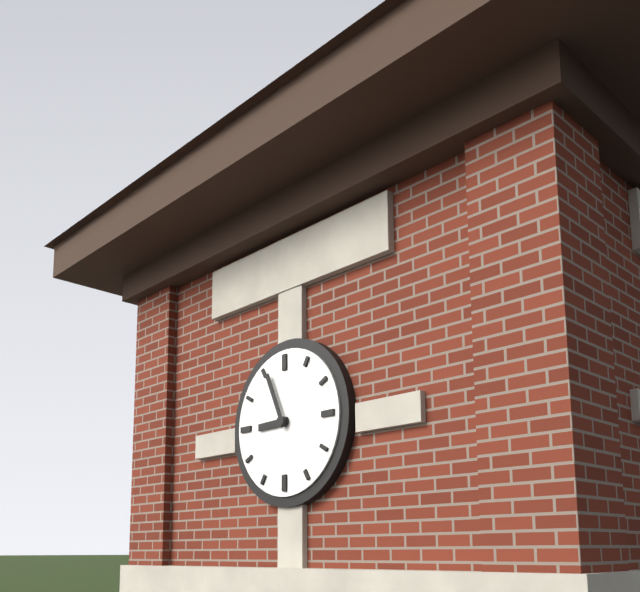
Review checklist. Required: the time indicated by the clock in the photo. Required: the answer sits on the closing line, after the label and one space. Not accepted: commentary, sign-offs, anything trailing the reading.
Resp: 8:56
